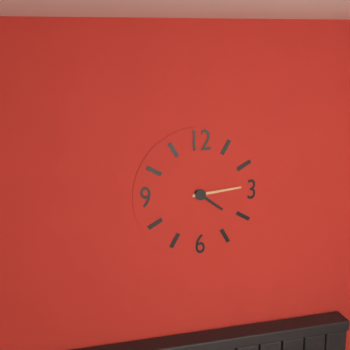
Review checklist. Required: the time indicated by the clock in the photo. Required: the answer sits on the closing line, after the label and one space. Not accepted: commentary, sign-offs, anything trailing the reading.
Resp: 4:14
